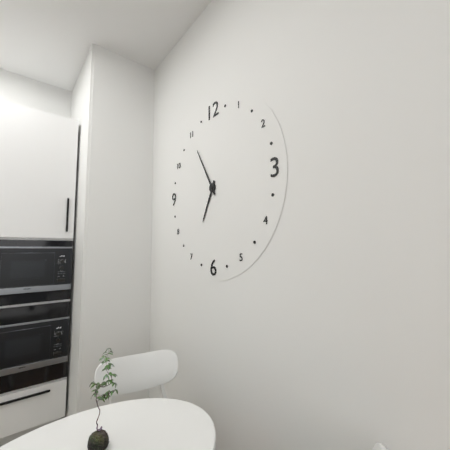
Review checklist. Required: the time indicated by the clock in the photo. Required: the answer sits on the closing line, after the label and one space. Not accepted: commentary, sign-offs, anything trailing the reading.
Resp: 6:55
